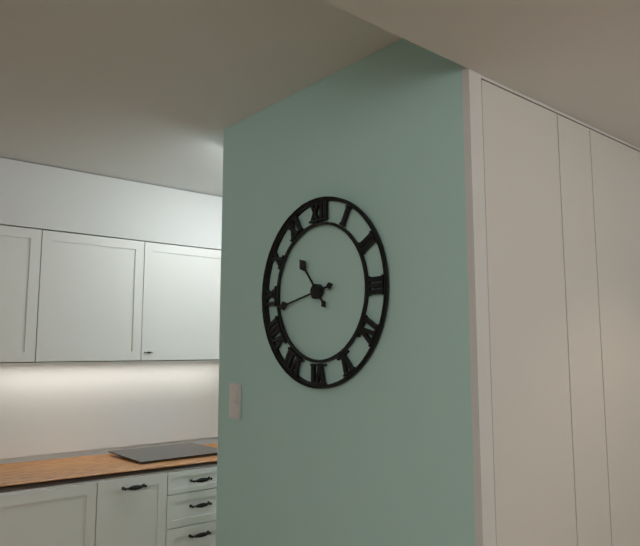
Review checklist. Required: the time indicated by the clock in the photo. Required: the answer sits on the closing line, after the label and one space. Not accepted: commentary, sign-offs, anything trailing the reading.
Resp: 10:43
